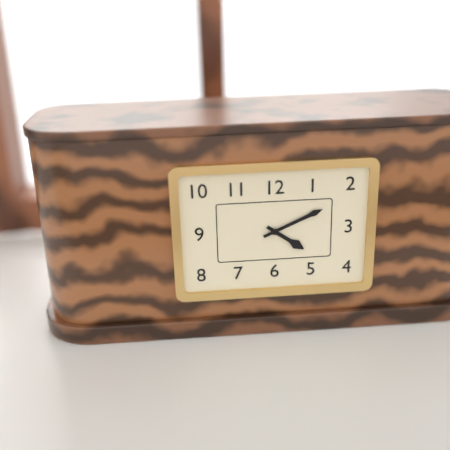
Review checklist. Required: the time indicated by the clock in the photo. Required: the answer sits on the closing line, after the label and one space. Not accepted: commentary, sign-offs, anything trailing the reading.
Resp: 4:11
